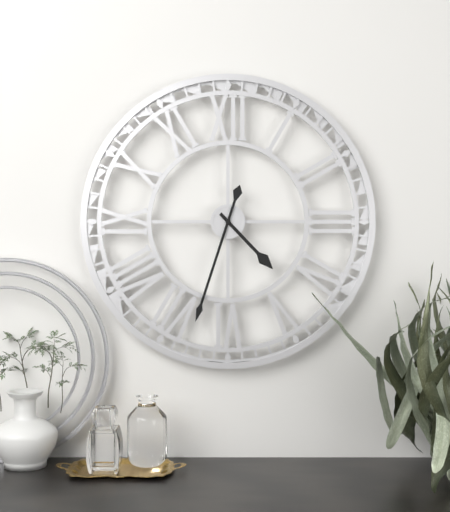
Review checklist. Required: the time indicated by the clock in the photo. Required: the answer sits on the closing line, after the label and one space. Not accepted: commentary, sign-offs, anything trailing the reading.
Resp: 4:33
